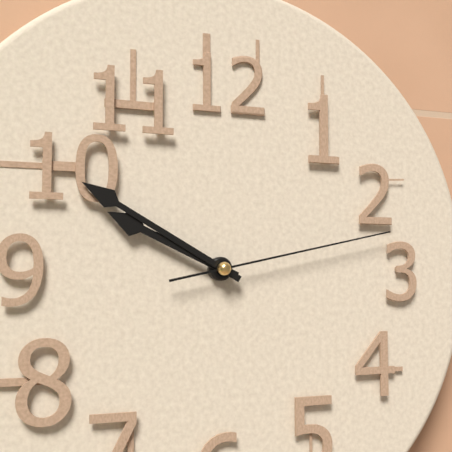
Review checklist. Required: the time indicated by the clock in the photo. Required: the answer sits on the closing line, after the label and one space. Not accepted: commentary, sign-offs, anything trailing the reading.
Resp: 9:50:13
